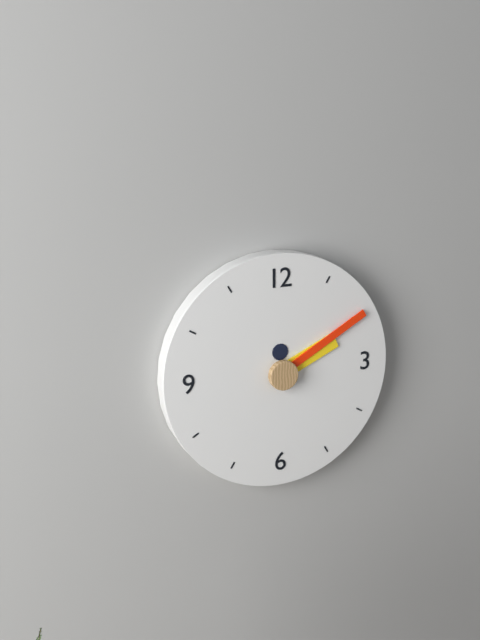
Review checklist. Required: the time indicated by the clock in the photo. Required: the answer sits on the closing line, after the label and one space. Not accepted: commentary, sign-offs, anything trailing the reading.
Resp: 2:10
